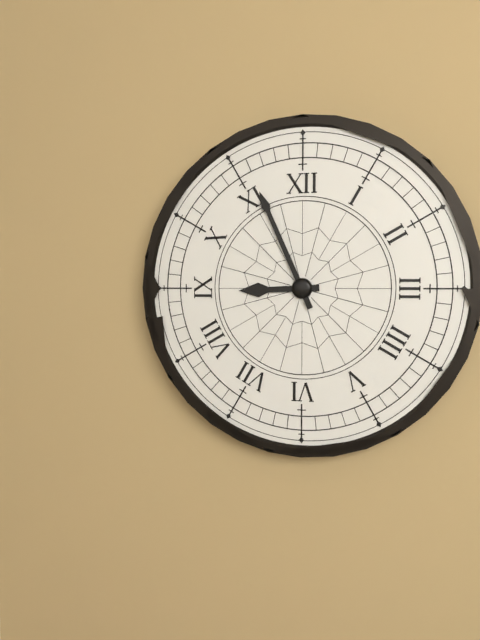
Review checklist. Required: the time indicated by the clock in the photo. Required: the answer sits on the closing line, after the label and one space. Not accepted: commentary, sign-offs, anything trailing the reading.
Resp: 8:56
